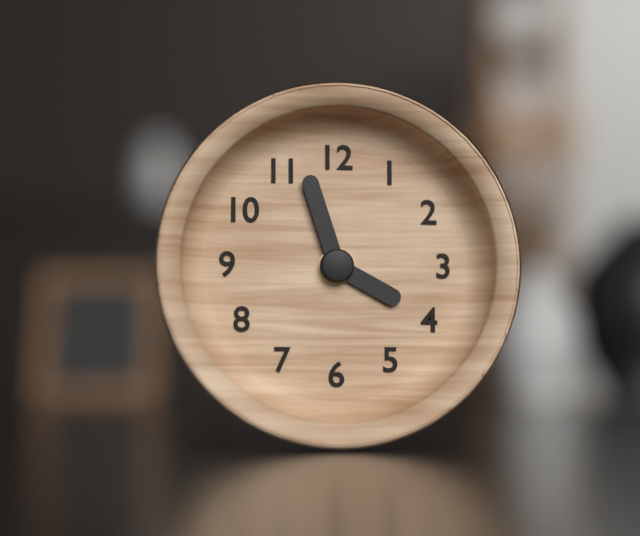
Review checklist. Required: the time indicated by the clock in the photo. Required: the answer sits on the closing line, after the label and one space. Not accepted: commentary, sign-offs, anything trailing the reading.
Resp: 3:57
